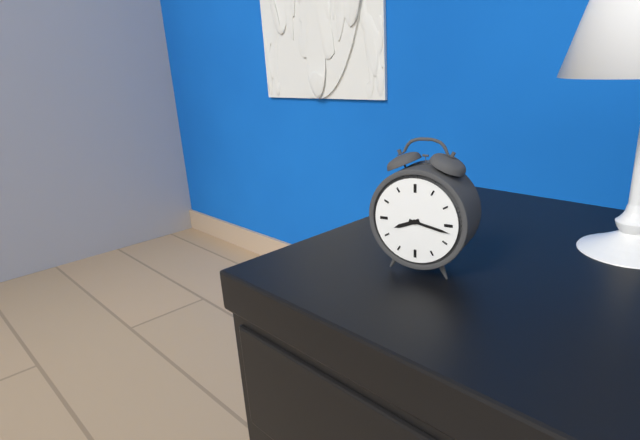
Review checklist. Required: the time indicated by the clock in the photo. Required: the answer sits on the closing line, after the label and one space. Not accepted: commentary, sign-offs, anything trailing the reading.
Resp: 8:17
